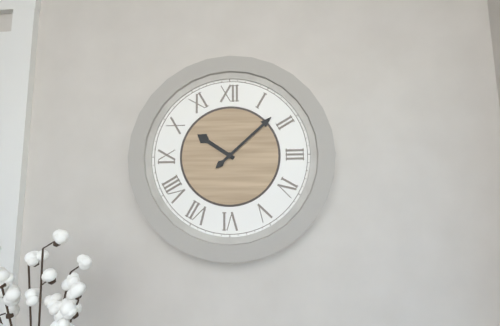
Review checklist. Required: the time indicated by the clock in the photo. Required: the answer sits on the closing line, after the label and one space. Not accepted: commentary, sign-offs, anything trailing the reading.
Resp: 10:08
